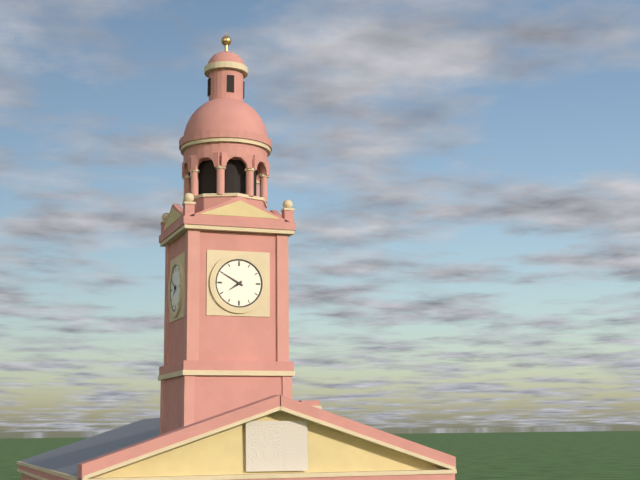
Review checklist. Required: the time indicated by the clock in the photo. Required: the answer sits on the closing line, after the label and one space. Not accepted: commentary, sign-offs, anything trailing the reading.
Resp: 7:50
